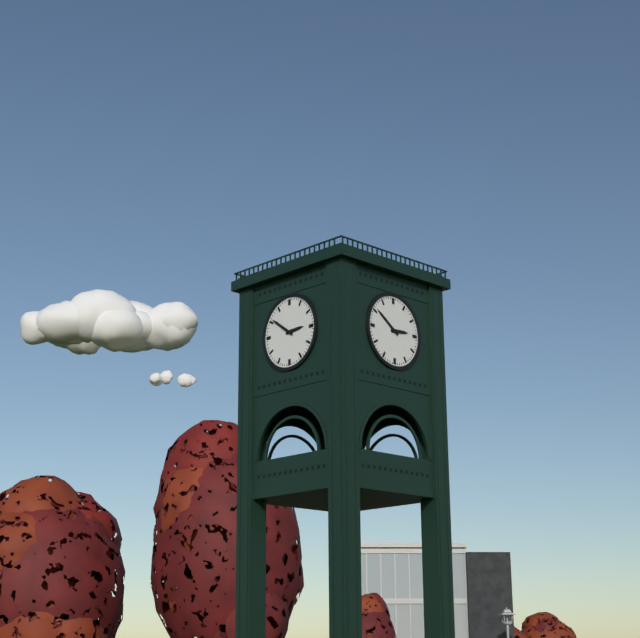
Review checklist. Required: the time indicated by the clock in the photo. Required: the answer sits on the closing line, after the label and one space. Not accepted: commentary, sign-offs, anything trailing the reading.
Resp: 2:51
